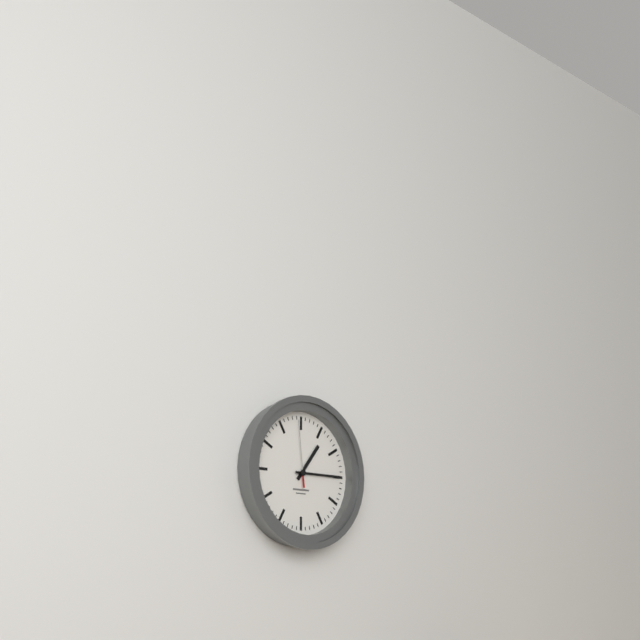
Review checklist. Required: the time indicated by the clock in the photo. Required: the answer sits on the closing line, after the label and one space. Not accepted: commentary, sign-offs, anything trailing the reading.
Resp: 1:15:59
